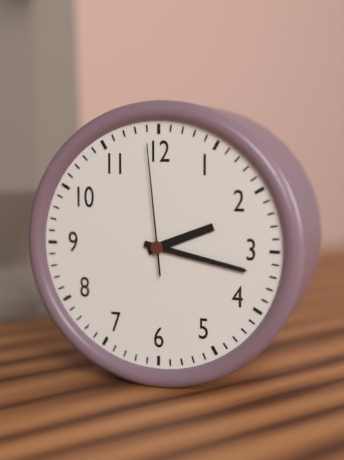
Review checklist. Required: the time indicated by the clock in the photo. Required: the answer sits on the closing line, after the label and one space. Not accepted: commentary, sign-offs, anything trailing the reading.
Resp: 2:17:59
